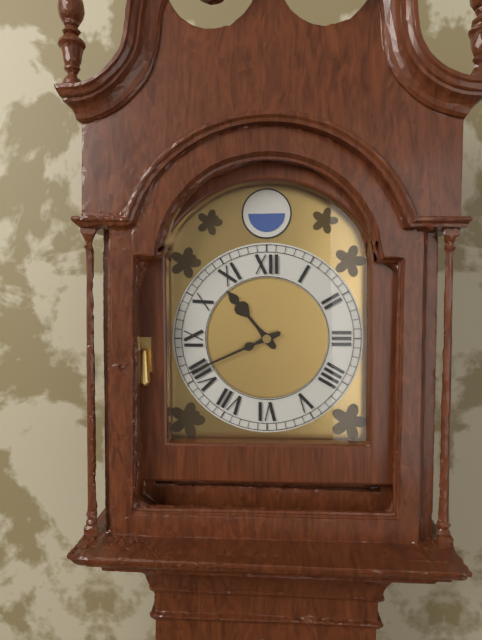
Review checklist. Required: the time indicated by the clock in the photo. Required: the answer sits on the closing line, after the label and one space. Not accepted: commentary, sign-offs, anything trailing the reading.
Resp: 10:41
